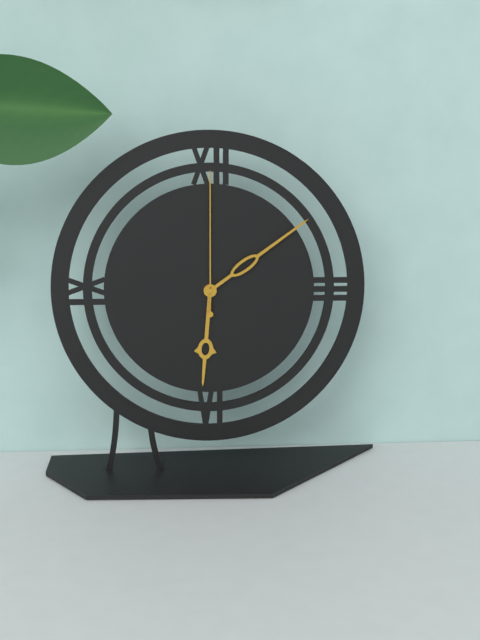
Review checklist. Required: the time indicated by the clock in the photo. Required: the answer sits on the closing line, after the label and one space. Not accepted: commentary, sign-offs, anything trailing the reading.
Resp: 6:09:00
